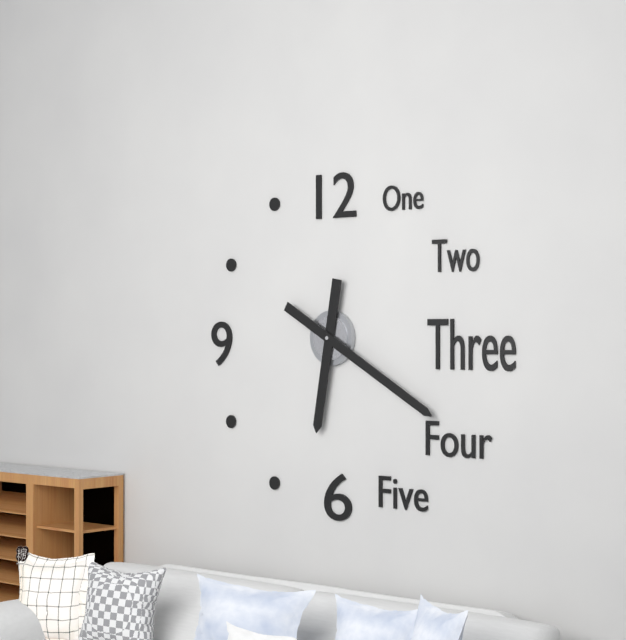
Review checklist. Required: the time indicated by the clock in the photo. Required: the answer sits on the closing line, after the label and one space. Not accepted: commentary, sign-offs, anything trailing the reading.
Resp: 6:20
